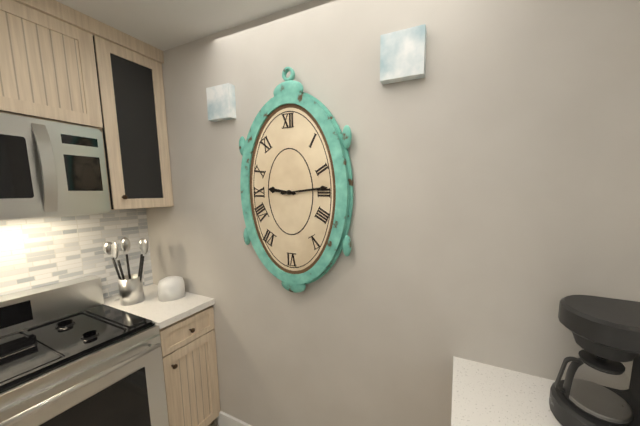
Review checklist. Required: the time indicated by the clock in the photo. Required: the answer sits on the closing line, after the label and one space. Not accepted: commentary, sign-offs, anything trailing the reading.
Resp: 9:14
